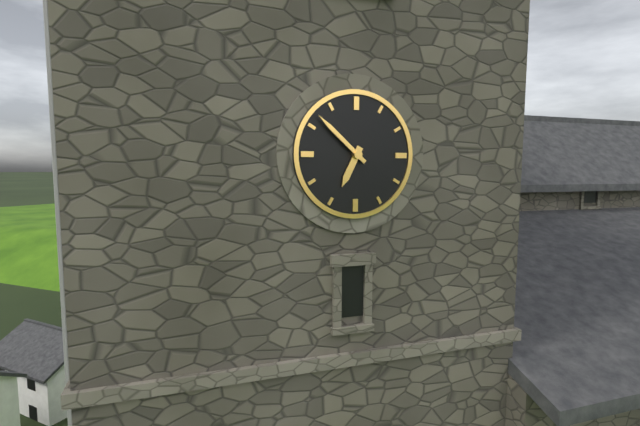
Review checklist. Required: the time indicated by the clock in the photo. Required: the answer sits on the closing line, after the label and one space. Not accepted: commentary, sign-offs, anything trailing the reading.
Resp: 6:52
